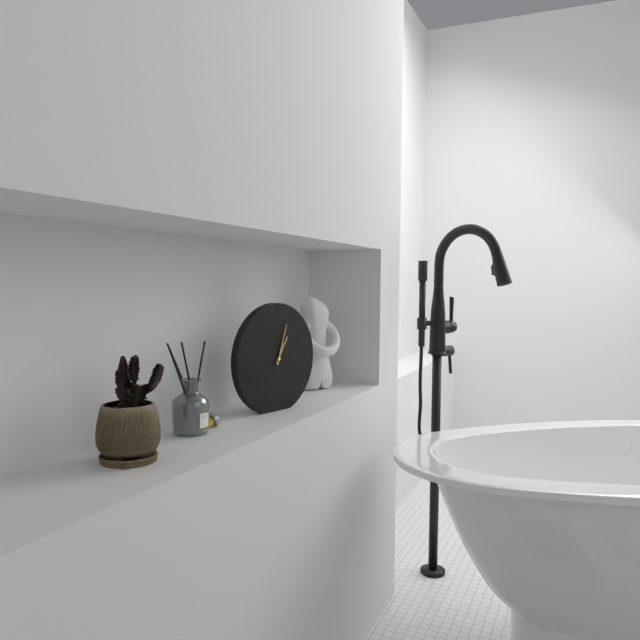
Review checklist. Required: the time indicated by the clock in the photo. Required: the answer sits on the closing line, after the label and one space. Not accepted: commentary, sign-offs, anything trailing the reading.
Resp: 1:03
